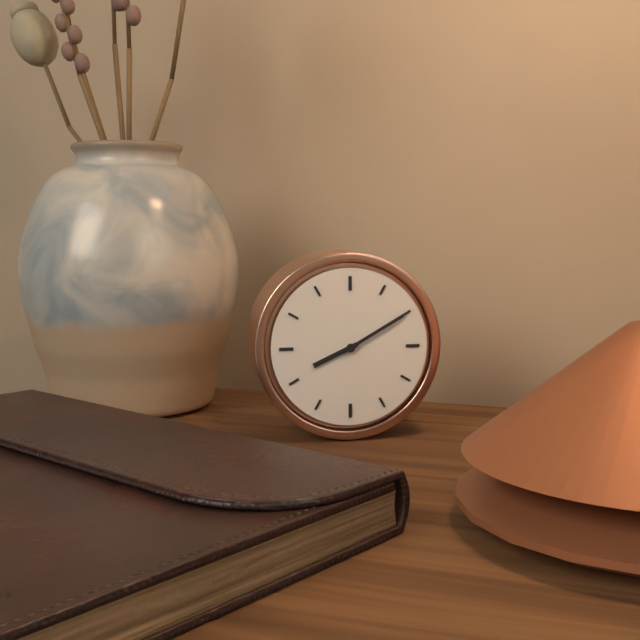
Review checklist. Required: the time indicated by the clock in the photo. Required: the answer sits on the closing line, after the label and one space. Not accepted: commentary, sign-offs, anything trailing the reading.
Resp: 8:10
